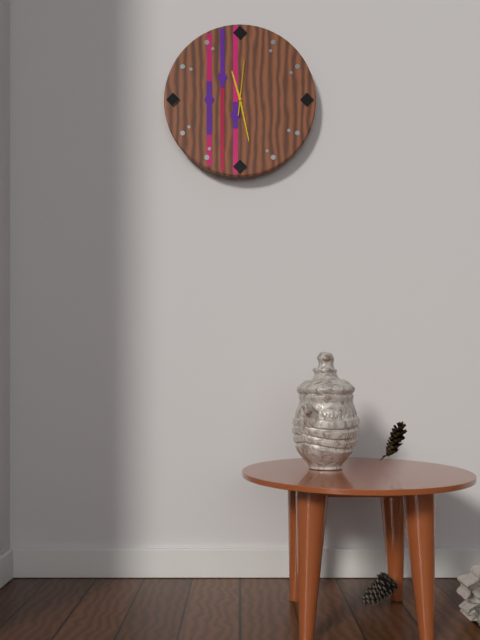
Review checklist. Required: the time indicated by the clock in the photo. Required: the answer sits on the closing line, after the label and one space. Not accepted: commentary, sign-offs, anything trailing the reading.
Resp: 11:28:01
